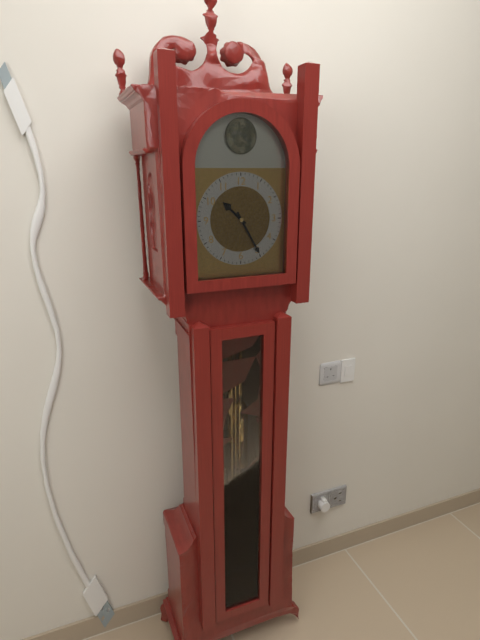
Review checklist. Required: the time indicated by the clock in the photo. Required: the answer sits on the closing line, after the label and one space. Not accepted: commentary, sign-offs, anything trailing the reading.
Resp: 10:25
